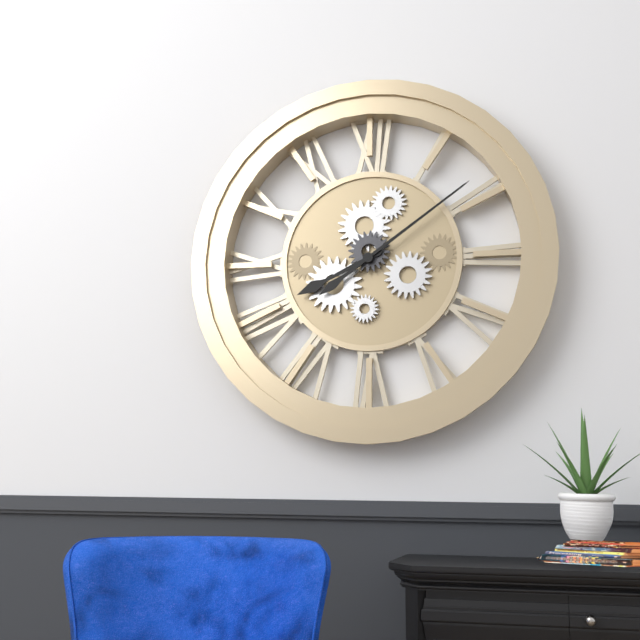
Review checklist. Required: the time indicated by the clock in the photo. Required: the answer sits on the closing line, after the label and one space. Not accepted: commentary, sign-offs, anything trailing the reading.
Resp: 8:09
